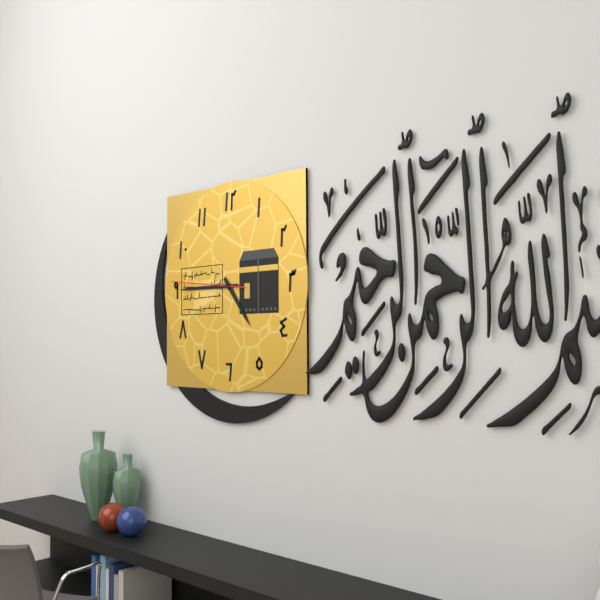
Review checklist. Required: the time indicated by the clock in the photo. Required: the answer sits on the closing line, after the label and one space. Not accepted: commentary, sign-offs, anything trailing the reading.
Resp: 4:45:46
